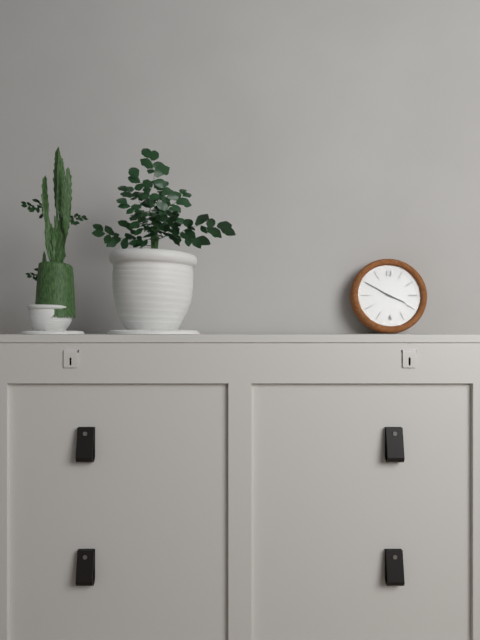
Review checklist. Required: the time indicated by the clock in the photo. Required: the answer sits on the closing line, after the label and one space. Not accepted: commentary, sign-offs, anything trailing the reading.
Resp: 3:50
